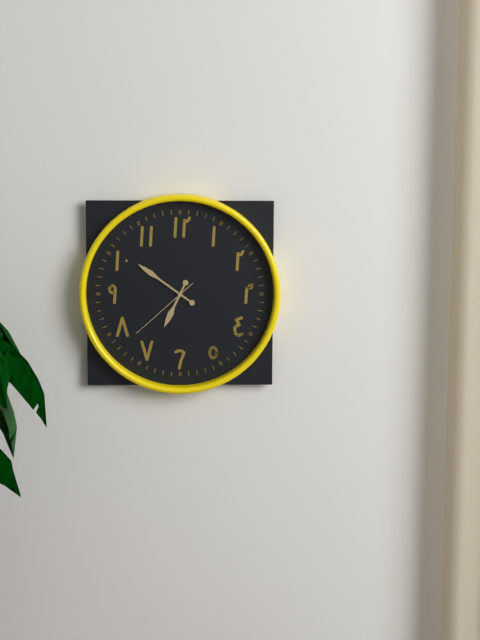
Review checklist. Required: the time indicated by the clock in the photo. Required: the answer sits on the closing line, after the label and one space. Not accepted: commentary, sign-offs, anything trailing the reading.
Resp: 6:51:38
